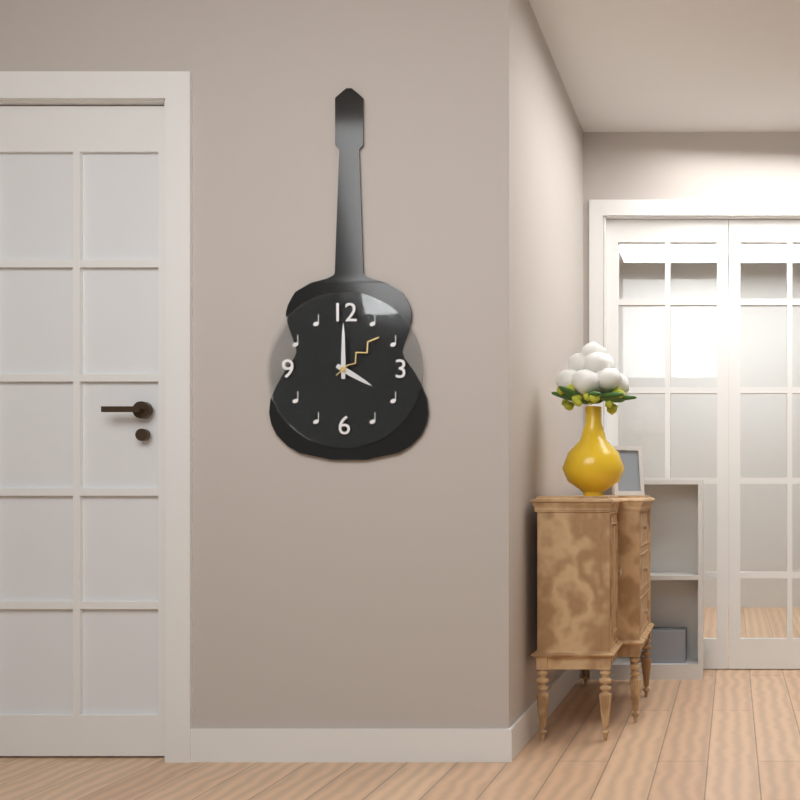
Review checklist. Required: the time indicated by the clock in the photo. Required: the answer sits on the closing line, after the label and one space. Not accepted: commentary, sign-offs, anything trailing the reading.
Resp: 4:00:08
